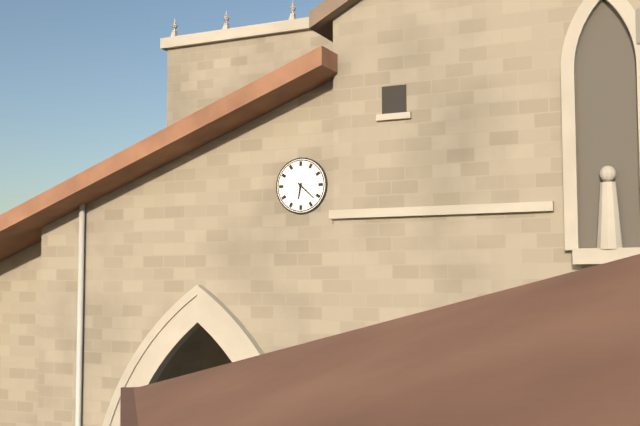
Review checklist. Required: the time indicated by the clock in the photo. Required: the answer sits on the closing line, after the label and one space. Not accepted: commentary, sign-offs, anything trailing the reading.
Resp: 6:22
